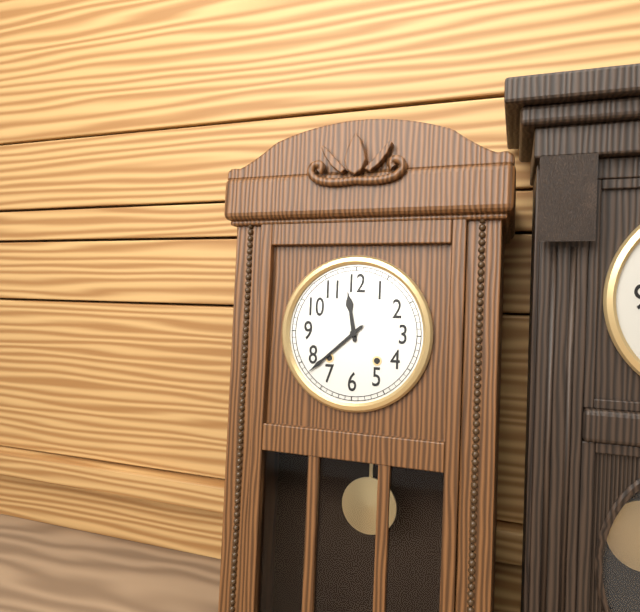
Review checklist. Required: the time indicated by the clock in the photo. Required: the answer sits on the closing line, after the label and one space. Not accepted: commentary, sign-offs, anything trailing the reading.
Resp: 11:38
